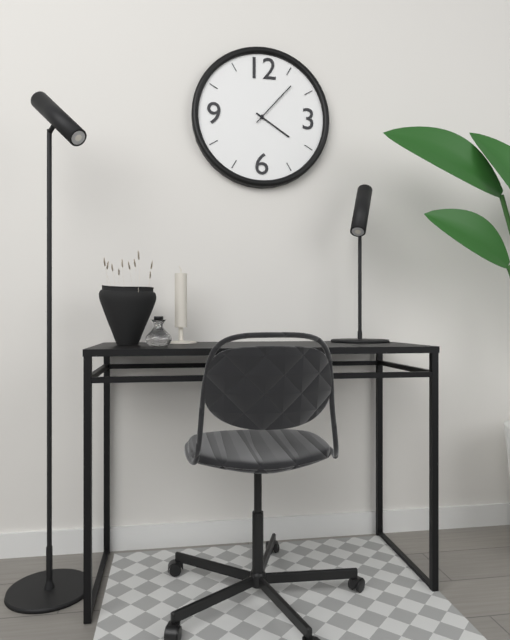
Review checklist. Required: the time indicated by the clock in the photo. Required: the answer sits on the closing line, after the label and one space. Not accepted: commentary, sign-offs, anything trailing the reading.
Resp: 4:07
